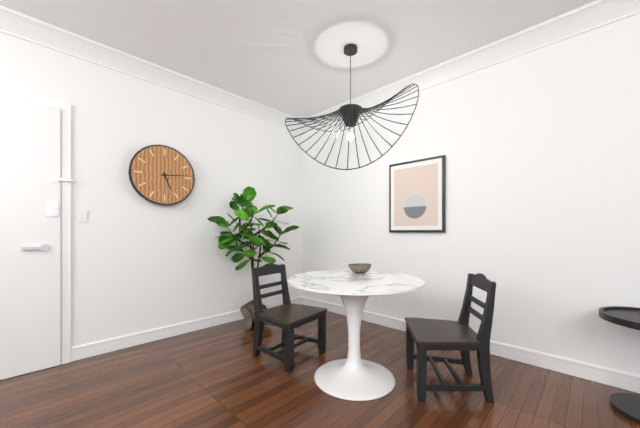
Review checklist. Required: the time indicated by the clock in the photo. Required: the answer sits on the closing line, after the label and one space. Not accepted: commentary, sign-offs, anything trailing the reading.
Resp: 5:14
